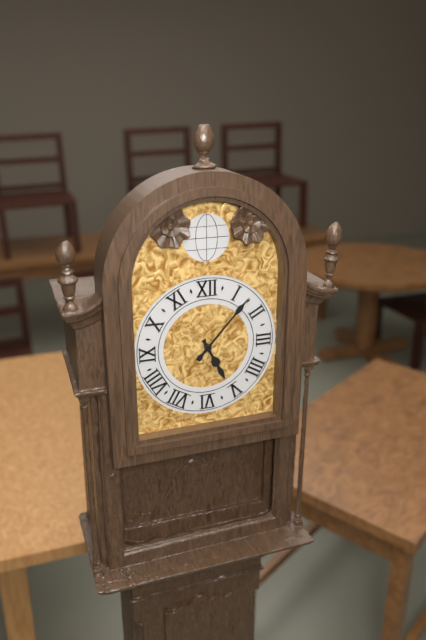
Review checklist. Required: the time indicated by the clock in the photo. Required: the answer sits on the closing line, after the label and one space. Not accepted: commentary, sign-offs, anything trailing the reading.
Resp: 5:07
